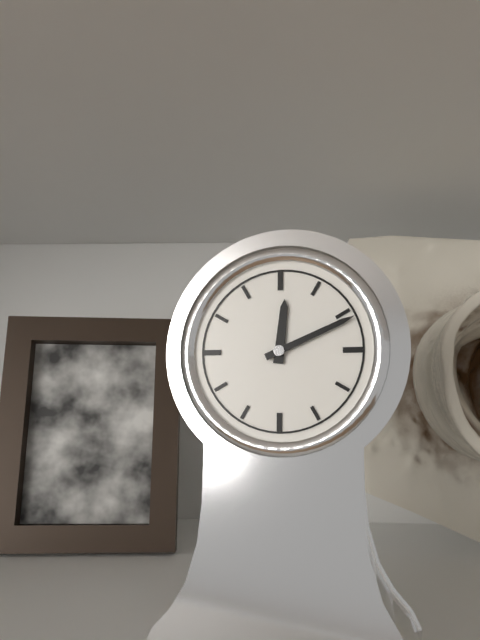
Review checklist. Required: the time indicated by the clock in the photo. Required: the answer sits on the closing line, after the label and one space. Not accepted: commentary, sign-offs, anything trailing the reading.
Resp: 12:11
